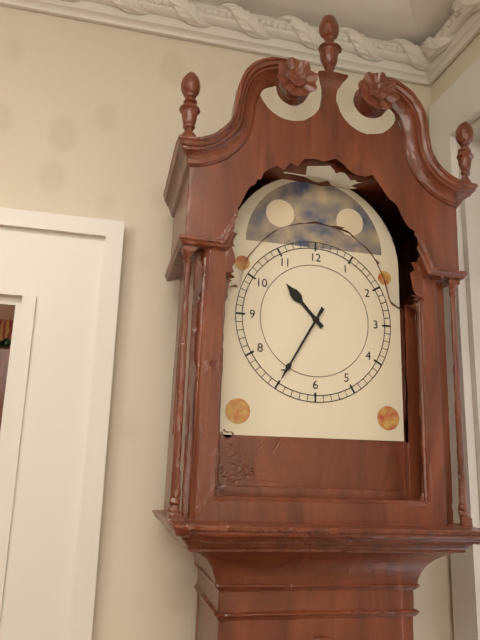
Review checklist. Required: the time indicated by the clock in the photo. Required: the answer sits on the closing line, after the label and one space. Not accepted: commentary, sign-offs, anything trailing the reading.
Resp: 10:35
